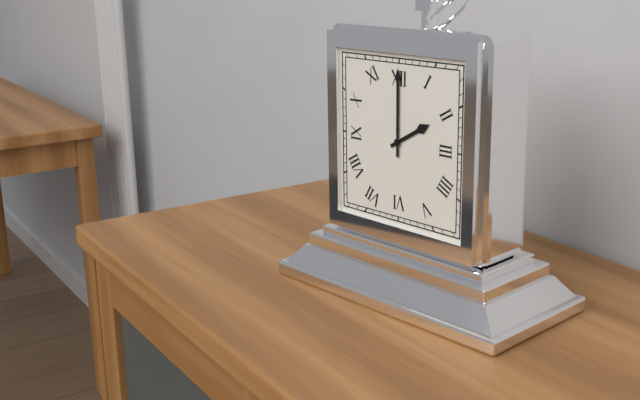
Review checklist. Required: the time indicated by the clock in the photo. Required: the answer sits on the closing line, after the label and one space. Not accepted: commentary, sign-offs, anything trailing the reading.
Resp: 2:00
